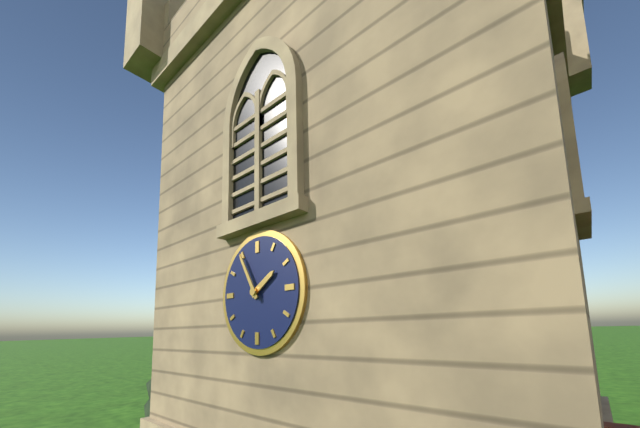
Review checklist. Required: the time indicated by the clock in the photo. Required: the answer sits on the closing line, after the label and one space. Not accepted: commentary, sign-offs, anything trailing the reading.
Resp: 1:55
